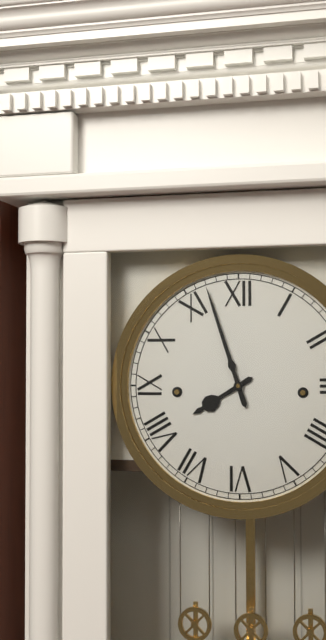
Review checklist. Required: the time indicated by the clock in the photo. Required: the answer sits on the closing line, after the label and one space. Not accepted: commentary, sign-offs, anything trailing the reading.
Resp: 7:57
